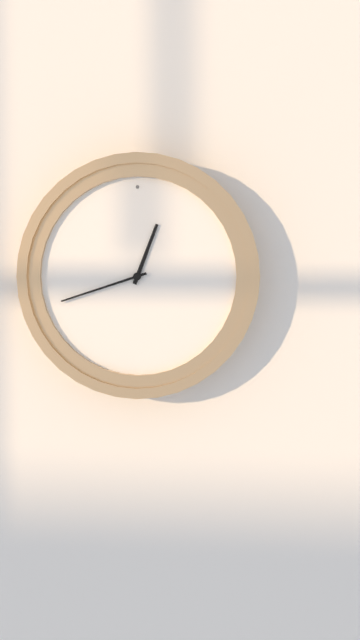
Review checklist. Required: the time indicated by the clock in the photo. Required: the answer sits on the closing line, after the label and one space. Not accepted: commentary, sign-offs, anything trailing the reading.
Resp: 12:42
